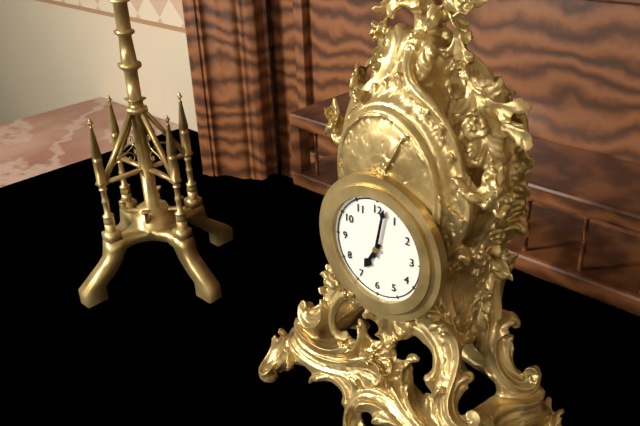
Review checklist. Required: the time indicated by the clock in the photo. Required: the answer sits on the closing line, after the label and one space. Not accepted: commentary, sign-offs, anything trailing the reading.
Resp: 7:02
